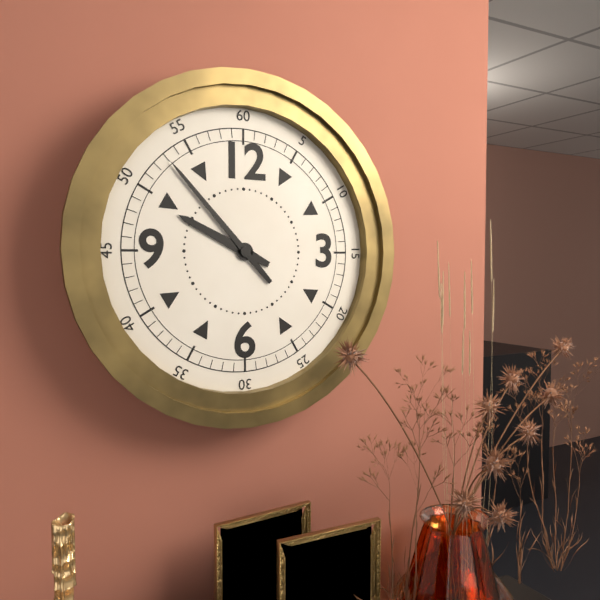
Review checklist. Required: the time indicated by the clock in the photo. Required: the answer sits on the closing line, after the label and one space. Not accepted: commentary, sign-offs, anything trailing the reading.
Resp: 9:53
